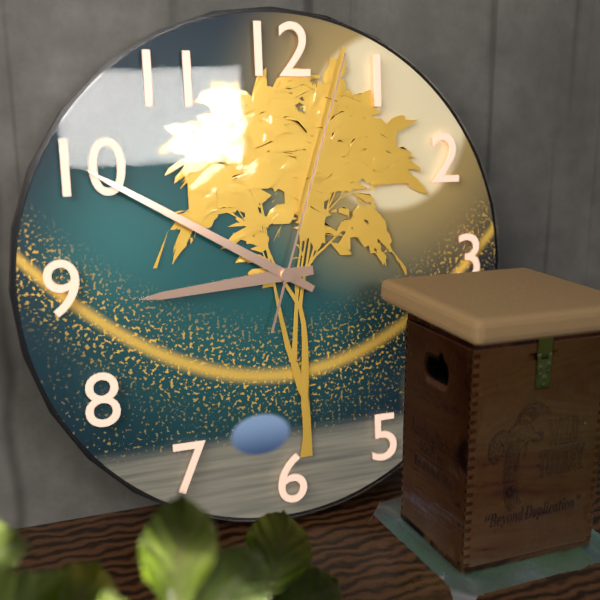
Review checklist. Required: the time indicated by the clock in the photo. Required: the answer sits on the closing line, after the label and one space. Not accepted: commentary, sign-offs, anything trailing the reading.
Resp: 8:50:03
